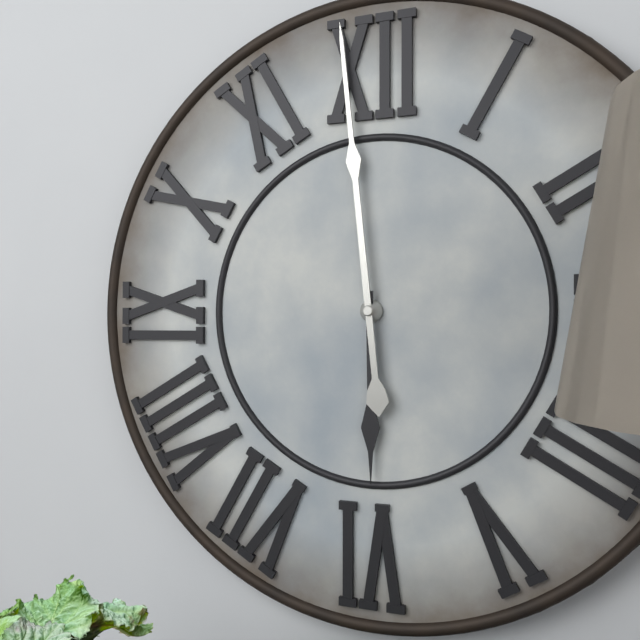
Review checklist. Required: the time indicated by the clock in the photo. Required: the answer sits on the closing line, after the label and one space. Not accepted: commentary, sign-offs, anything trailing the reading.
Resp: 5:59
